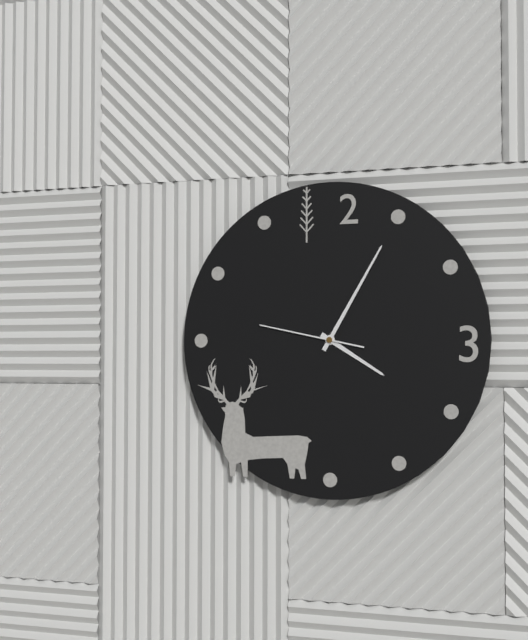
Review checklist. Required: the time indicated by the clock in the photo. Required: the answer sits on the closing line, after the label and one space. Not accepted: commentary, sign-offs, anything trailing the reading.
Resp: 4:05:47
